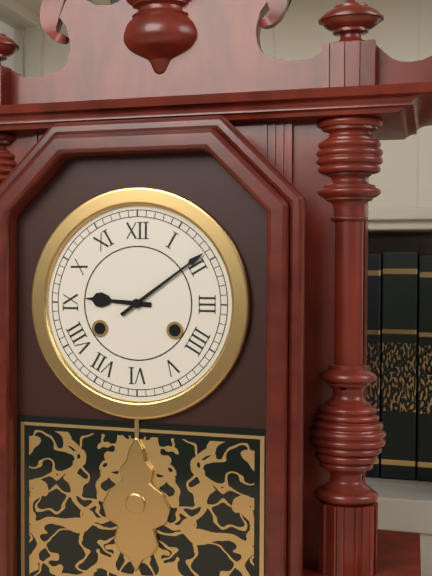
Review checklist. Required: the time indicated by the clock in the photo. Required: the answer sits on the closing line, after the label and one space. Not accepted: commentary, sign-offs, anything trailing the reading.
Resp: 9:09
